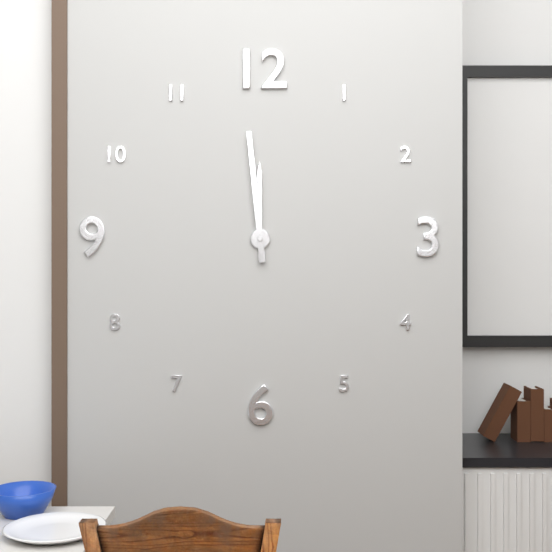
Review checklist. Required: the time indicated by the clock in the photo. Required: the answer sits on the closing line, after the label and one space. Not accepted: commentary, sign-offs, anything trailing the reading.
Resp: 11:59
